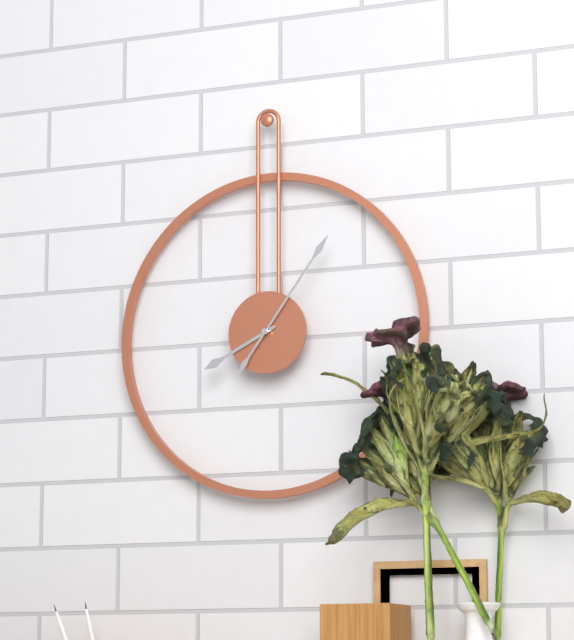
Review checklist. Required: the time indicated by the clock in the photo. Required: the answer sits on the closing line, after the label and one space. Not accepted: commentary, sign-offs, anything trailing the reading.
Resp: 8:06
